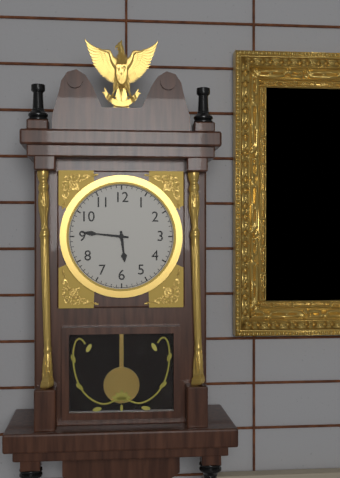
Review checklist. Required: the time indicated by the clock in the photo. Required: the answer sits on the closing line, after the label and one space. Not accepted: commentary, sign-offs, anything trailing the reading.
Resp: 5:46
